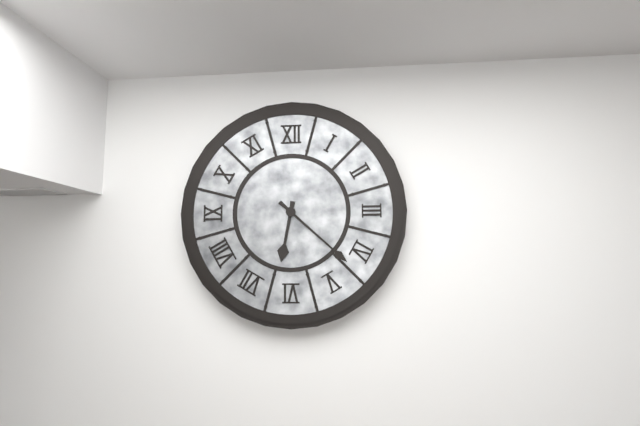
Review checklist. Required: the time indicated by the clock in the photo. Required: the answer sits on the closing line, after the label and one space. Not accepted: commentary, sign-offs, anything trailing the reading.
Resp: 6:22
